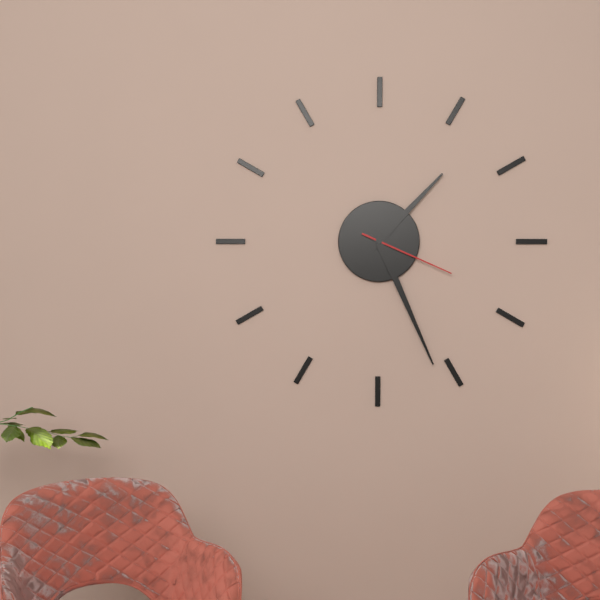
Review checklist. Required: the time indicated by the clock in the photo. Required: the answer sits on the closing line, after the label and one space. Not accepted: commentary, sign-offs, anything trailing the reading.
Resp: 1:26:19
